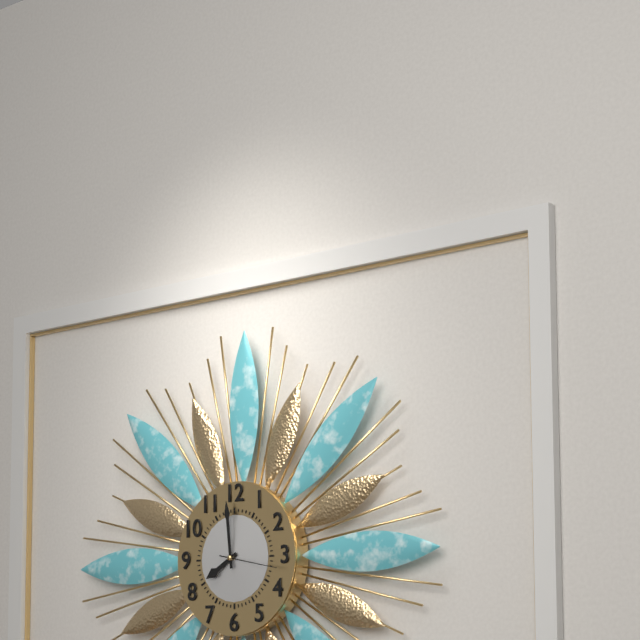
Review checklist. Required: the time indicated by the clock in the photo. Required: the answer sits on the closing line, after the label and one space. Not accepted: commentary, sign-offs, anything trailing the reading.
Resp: 7:59
